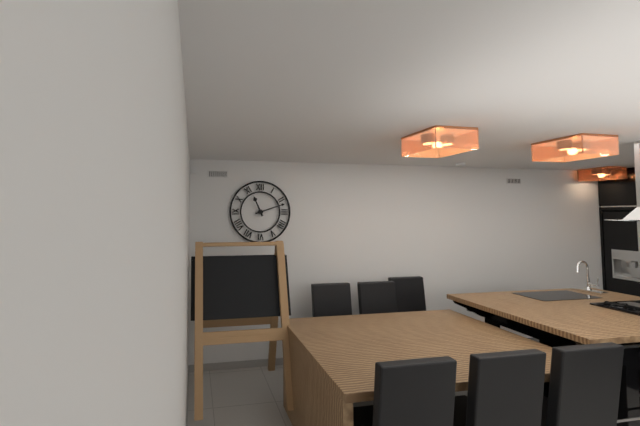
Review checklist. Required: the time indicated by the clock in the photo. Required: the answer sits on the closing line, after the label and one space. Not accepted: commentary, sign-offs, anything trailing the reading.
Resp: 11:12
